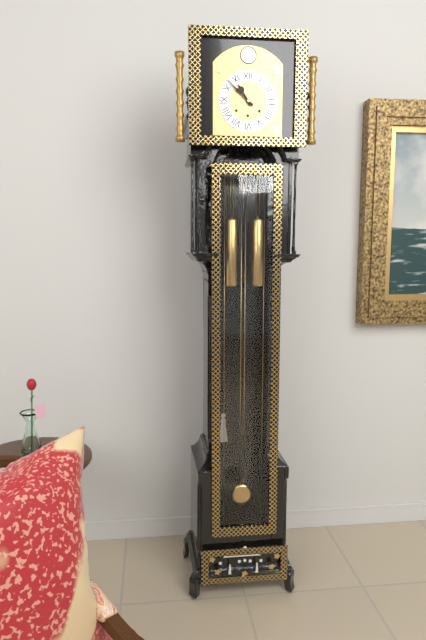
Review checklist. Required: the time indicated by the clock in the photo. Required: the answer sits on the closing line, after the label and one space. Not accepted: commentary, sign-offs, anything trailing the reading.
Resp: 10:52
